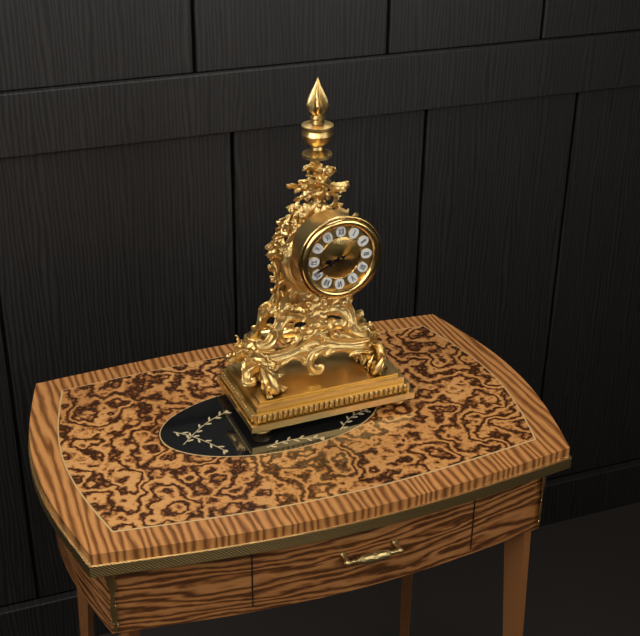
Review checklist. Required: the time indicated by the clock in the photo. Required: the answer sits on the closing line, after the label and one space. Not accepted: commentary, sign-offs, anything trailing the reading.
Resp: 8:41
